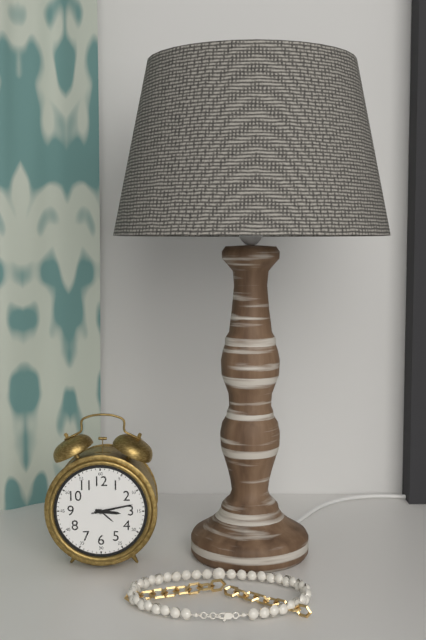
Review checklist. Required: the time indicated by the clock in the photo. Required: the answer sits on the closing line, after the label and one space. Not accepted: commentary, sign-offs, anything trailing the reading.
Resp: 3:13
